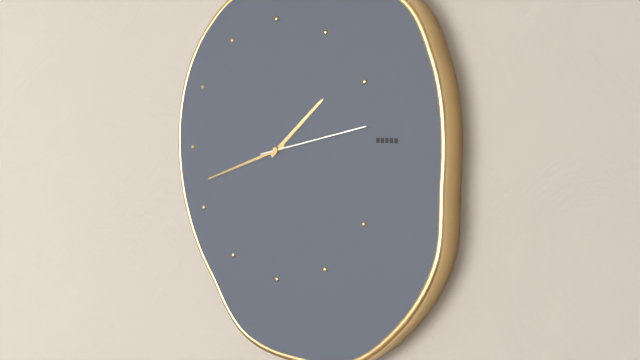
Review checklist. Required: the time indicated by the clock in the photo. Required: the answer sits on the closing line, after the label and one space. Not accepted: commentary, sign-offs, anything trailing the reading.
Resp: 1:42:13
